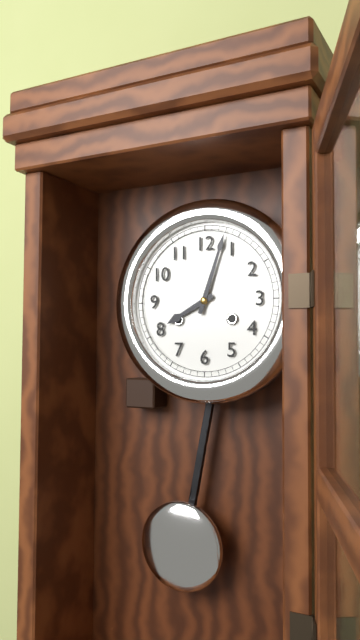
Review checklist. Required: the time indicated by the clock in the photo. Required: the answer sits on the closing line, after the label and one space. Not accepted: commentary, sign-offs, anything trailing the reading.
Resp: 8:03
